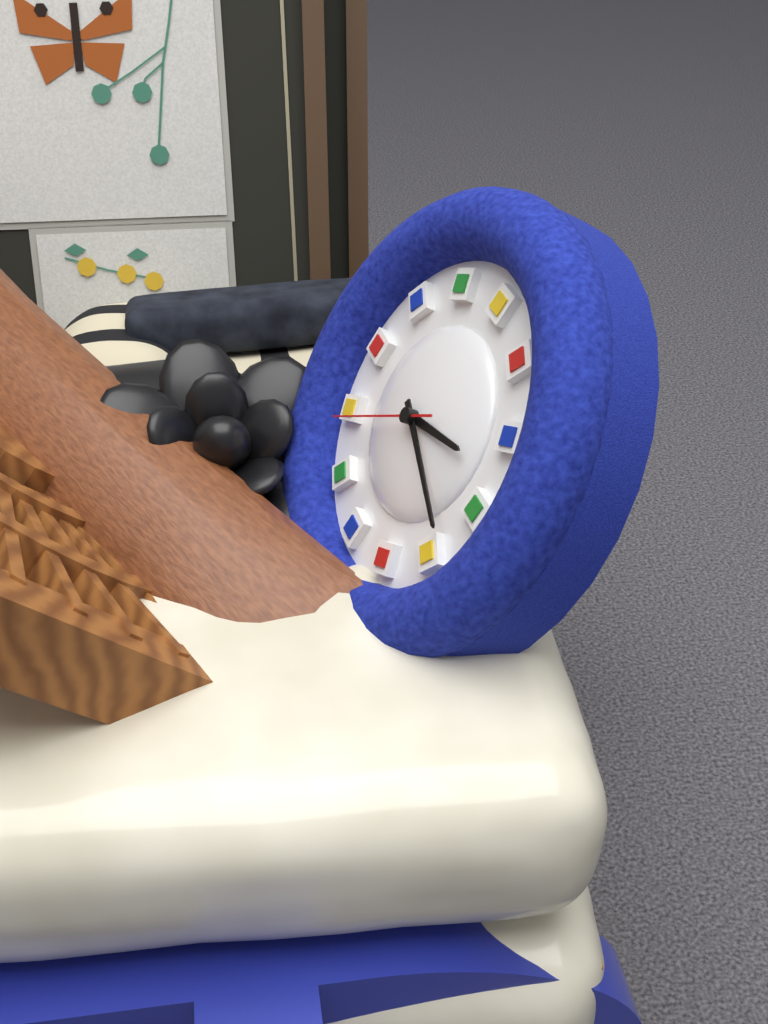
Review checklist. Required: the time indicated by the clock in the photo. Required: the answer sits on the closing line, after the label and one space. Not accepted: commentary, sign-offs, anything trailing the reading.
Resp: 4:28:49
